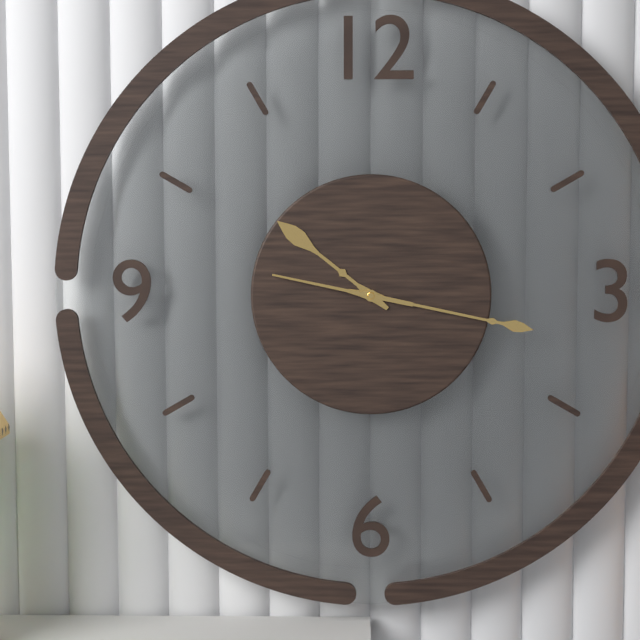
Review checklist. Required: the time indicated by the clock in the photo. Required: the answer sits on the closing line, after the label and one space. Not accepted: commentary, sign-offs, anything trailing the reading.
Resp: 10:17:47
